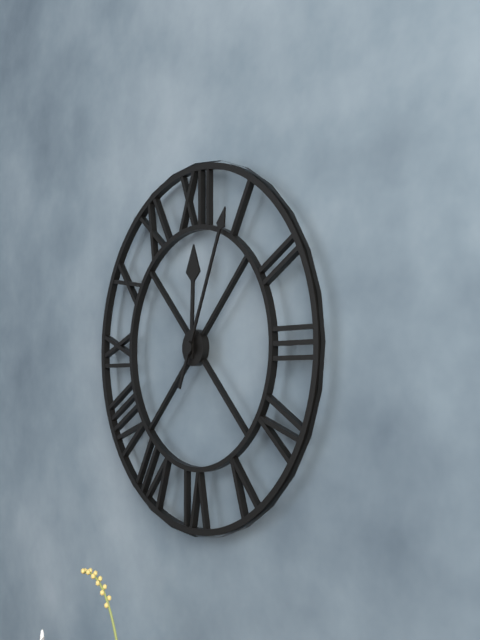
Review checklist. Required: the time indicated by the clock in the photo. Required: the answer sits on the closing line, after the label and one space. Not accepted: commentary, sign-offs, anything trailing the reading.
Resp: 12:04
